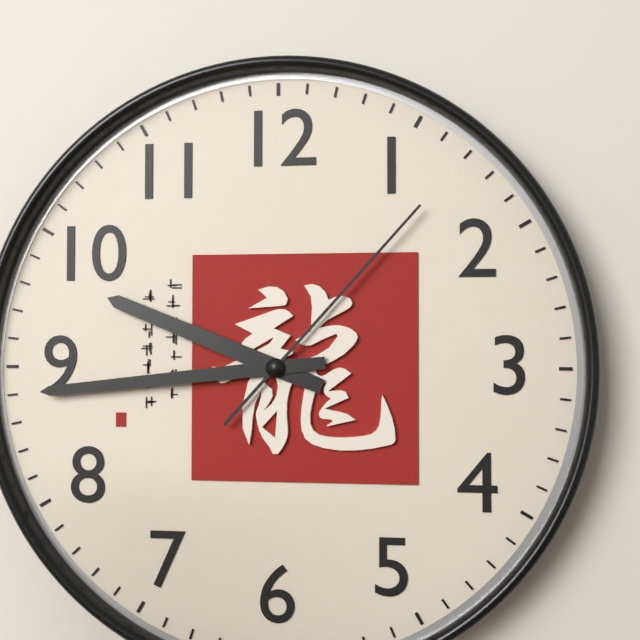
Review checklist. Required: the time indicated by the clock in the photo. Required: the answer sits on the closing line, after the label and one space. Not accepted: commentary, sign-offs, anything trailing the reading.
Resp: 9:44:07
